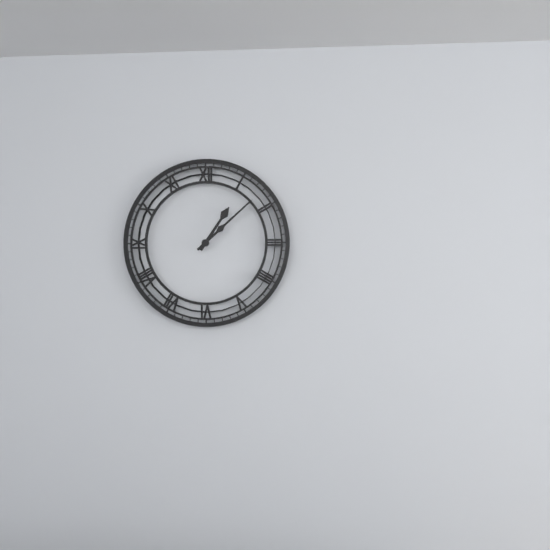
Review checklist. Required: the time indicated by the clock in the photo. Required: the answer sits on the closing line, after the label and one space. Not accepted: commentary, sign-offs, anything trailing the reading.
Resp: 1:08
